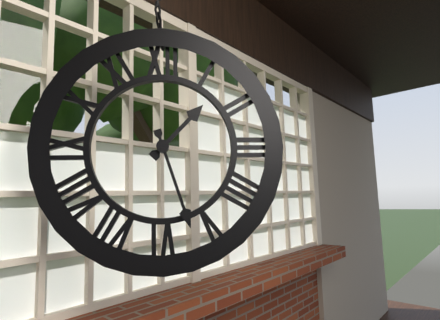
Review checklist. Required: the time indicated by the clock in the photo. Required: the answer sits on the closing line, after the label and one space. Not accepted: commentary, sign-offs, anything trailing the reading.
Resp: 1:27
